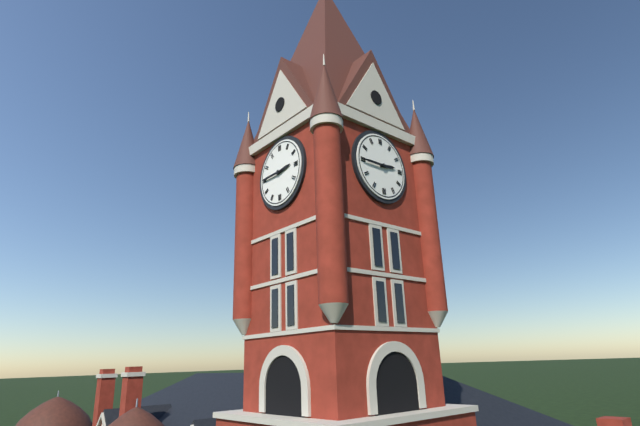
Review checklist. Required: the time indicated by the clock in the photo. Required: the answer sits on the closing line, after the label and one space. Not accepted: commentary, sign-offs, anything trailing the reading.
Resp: 2:45
